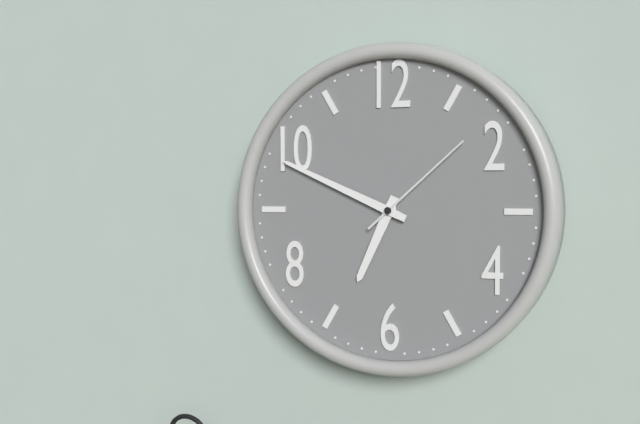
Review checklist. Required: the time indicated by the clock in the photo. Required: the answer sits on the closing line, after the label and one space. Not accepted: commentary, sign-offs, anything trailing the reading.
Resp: 6:49:08
